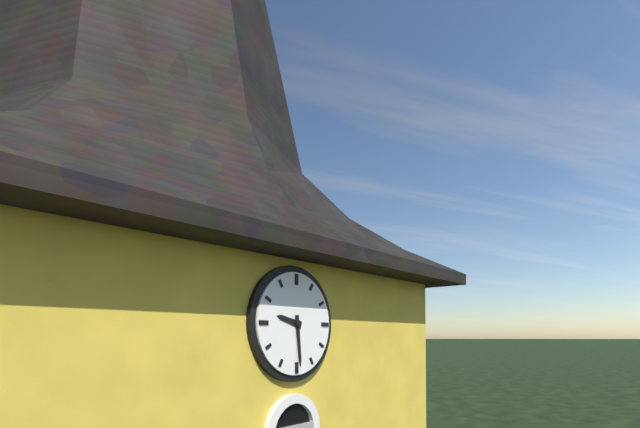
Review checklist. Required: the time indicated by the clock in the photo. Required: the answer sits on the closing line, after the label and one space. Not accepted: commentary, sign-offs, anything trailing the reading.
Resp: 9:29
